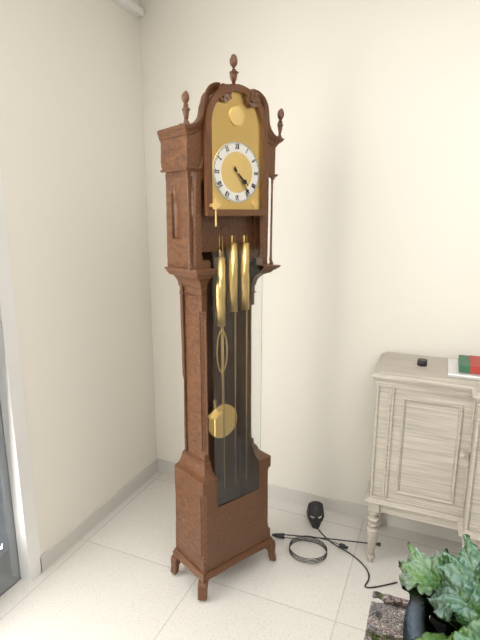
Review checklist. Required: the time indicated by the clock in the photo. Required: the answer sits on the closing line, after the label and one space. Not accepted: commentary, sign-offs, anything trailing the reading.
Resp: 4:24
